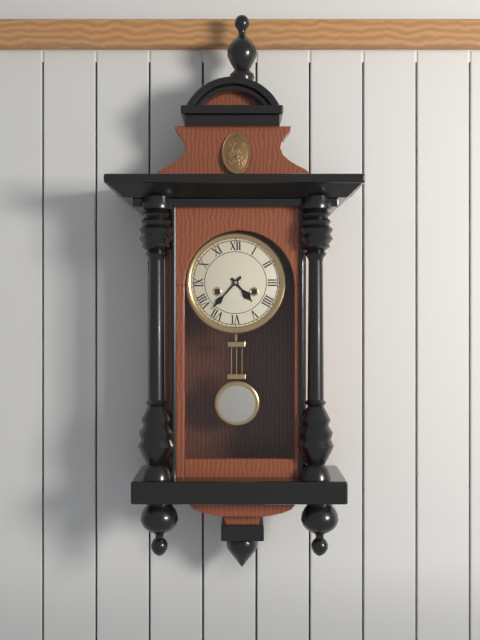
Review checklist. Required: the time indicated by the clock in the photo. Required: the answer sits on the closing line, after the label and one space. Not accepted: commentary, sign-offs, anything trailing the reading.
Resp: 4:37
